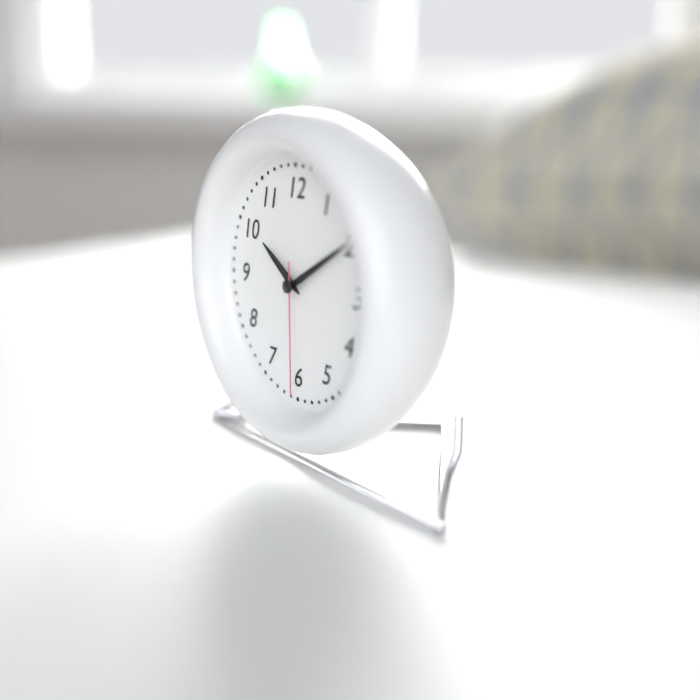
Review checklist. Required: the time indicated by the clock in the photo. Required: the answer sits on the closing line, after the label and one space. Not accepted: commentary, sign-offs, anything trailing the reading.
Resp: 10:10:30
